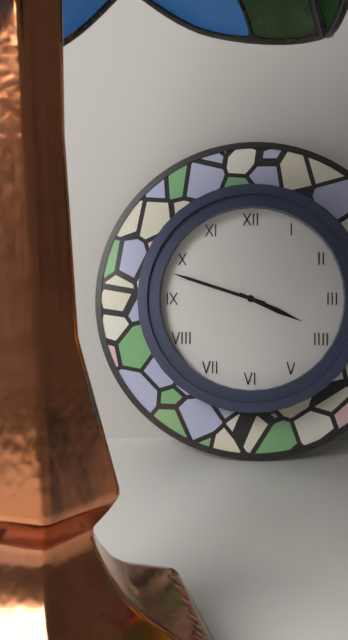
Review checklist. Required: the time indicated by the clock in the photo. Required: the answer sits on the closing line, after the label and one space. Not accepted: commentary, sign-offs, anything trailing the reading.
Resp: 3:48
